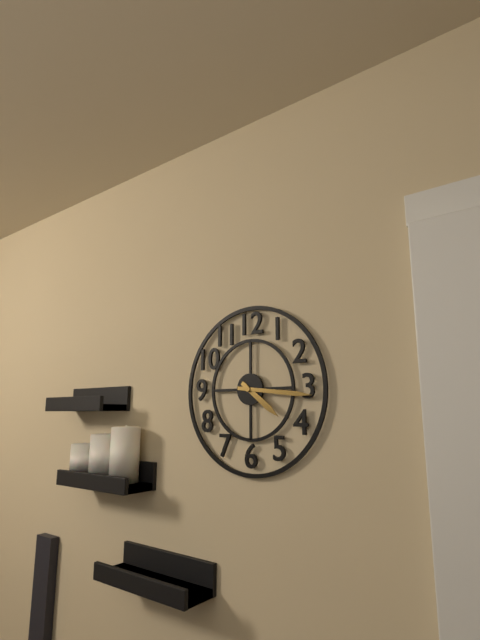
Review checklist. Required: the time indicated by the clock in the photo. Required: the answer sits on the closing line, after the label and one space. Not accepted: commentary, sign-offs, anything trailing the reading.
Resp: 4:16
